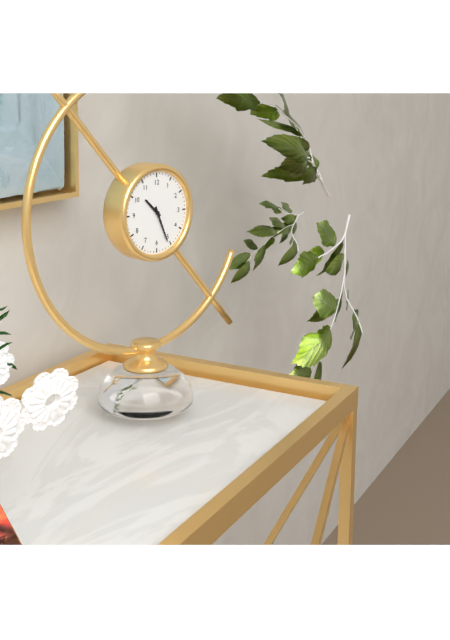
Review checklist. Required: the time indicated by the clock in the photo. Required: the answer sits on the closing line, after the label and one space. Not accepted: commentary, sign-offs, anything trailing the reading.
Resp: 10:26
